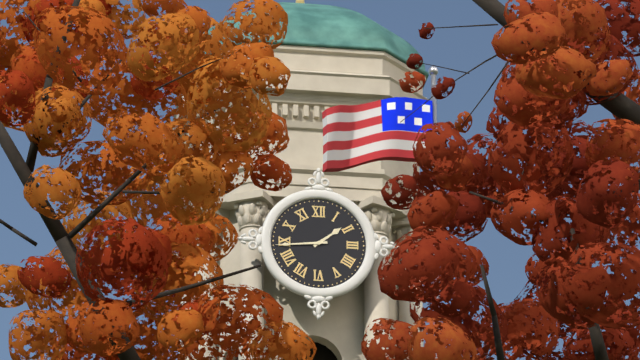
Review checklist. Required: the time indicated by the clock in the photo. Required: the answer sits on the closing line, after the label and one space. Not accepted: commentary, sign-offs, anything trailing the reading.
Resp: 1:44
